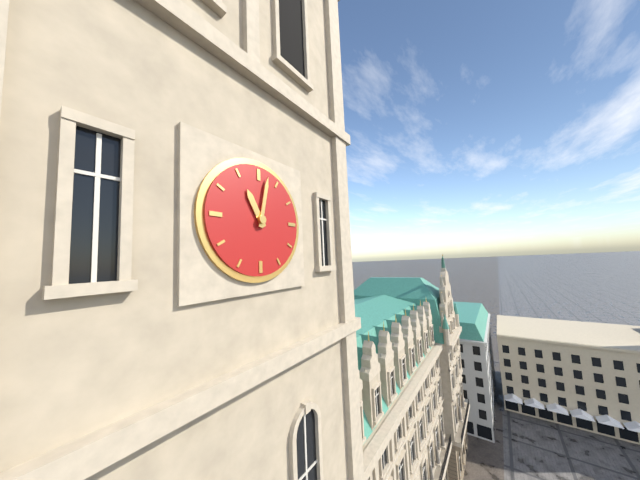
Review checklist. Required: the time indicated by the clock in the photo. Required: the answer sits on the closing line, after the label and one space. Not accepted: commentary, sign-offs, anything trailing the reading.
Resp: 11:02
